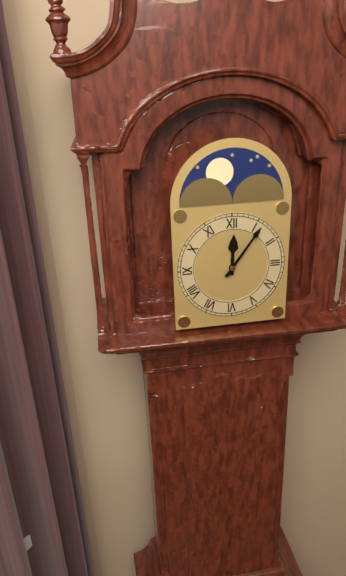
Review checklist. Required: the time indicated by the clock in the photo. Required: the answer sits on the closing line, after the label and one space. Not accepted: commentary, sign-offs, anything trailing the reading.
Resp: 12:06
